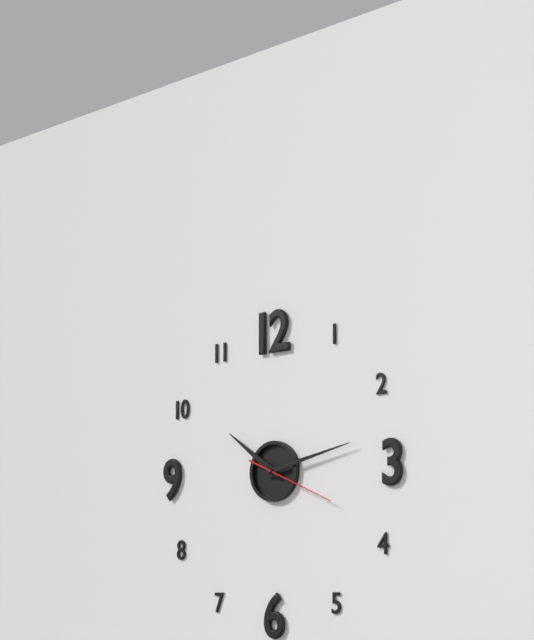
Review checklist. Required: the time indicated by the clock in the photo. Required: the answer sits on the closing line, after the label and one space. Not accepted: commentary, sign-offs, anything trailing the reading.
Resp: 10:13:19
